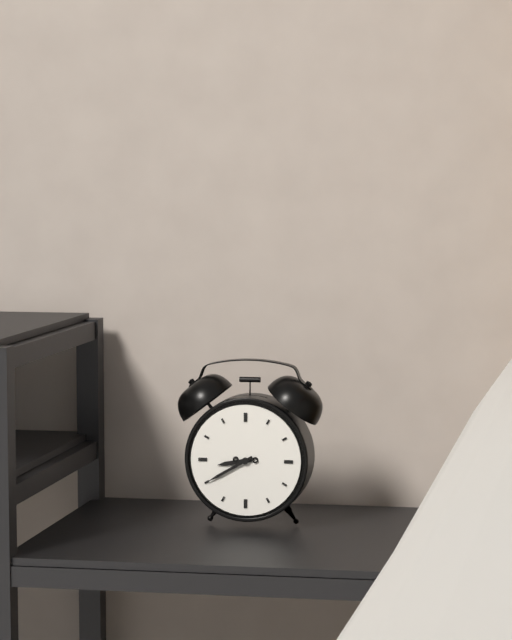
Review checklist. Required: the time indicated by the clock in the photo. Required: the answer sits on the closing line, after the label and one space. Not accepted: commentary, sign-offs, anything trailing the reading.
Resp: 8:40
